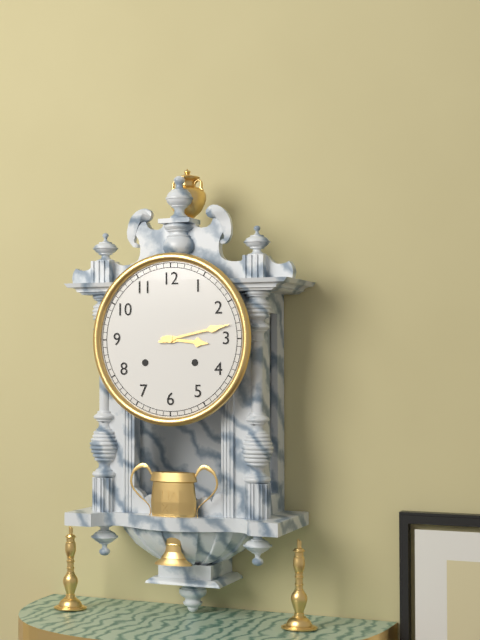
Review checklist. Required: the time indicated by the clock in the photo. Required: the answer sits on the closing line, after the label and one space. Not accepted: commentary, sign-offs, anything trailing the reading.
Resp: 3:13
